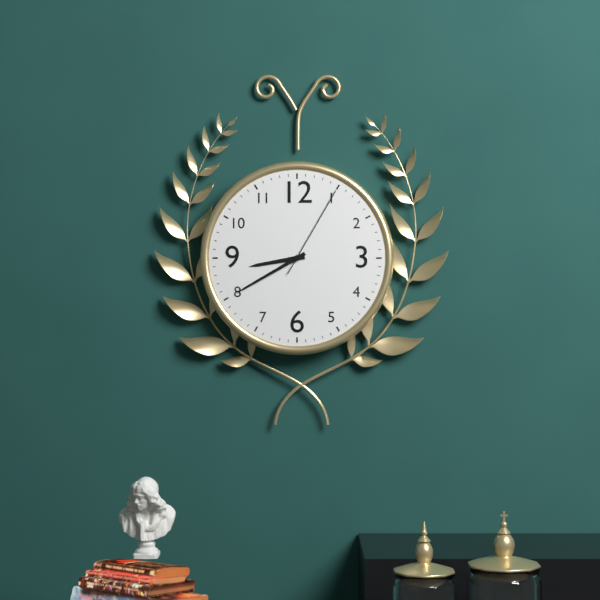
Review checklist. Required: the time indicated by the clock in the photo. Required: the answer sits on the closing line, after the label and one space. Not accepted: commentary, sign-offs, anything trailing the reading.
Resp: 8:40:05
